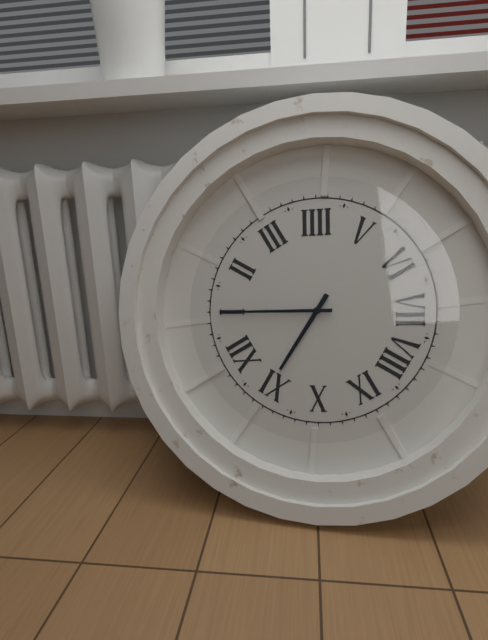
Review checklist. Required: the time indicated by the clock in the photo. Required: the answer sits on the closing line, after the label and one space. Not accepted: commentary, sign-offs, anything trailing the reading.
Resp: 11:05
